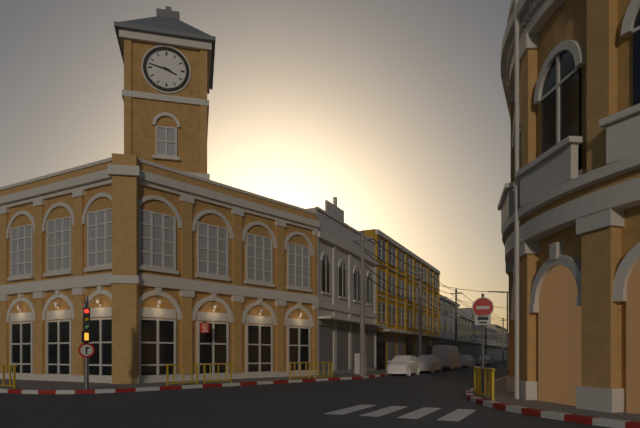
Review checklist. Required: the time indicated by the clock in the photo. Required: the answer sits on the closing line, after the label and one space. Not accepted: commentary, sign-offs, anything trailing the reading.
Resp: 3:47
